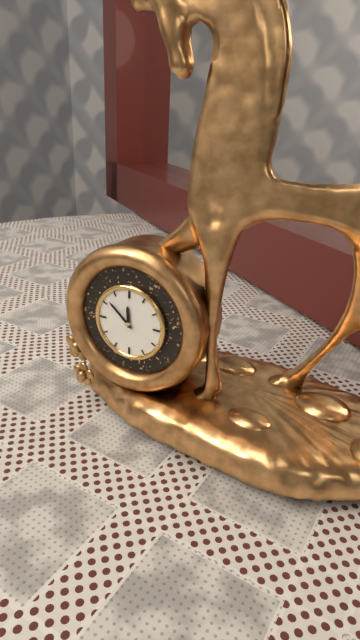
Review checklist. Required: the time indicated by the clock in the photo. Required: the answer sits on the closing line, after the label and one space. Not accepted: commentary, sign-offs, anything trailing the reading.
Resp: 11:52
